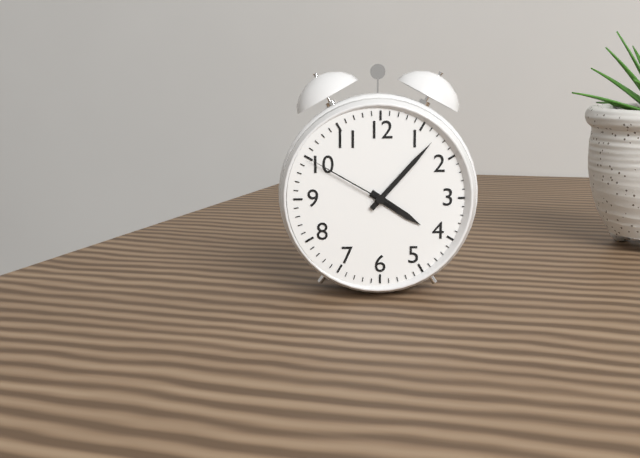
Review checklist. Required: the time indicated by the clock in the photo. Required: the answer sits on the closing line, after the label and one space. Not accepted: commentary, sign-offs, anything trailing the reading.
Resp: 4:07:50
